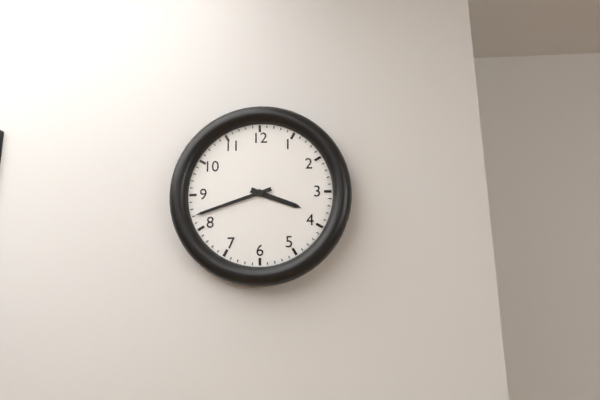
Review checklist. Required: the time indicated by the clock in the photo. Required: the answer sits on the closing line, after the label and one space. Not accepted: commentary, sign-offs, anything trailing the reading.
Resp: 3:42
